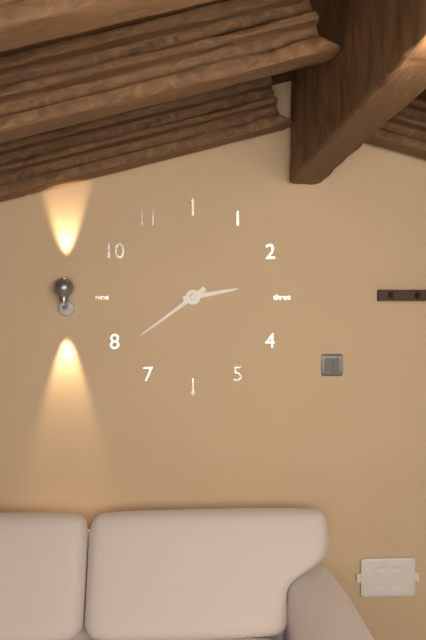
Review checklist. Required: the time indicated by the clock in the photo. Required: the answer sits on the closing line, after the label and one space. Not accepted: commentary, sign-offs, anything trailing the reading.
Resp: 2:39
